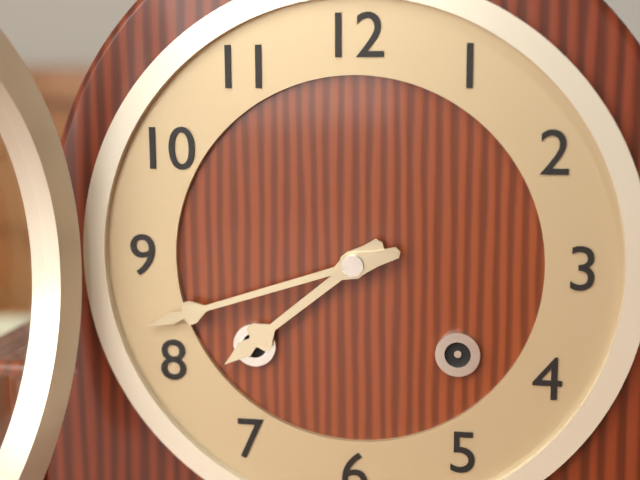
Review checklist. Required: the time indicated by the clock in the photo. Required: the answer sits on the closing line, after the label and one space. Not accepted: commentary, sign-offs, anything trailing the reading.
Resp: 7:42
